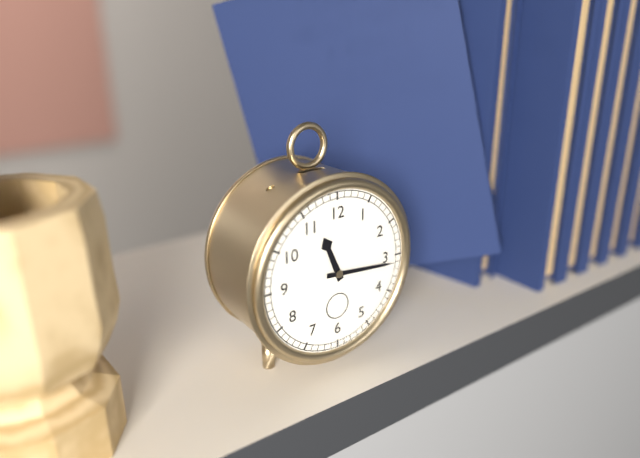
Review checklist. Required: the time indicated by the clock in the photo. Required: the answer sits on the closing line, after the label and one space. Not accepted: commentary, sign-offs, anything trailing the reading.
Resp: 11:16
